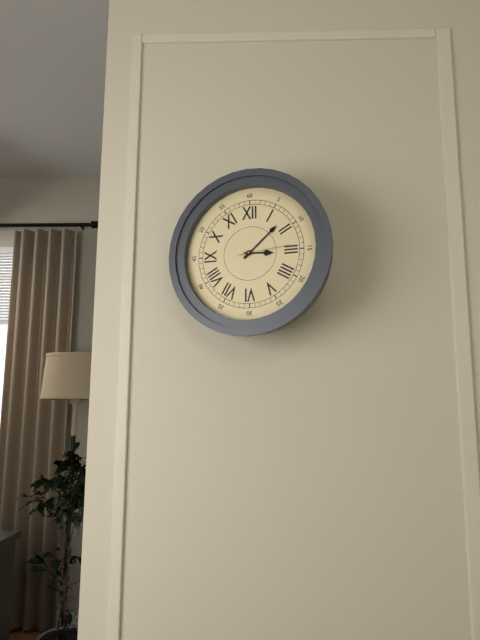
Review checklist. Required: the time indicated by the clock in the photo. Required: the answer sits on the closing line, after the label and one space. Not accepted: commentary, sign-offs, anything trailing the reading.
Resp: 3:08:14
